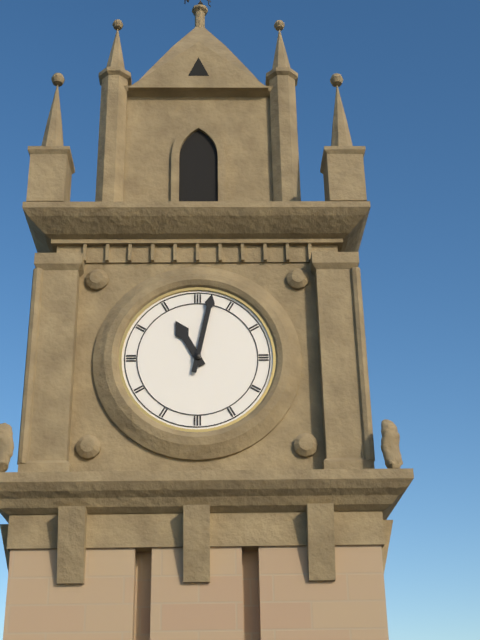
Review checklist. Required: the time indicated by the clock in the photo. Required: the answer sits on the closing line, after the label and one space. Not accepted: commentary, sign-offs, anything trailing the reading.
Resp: 11:02
